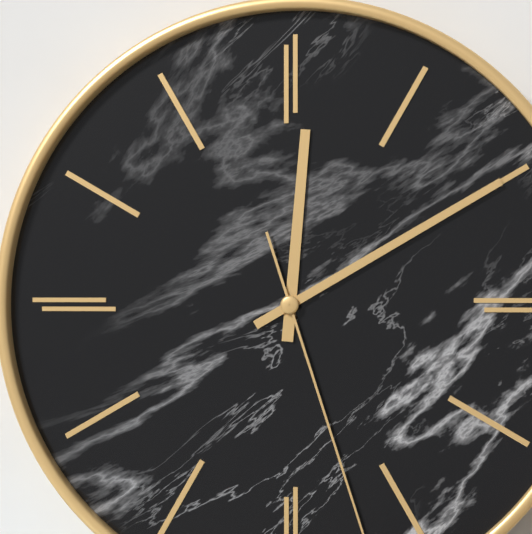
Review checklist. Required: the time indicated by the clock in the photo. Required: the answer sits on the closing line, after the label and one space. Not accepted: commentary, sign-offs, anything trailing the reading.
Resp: 12:10
